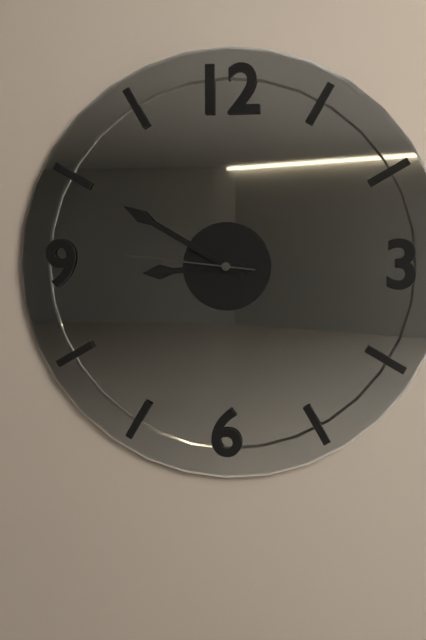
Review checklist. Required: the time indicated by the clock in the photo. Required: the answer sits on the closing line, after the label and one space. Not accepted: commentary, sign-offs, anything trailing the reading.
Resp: 8:50:46
